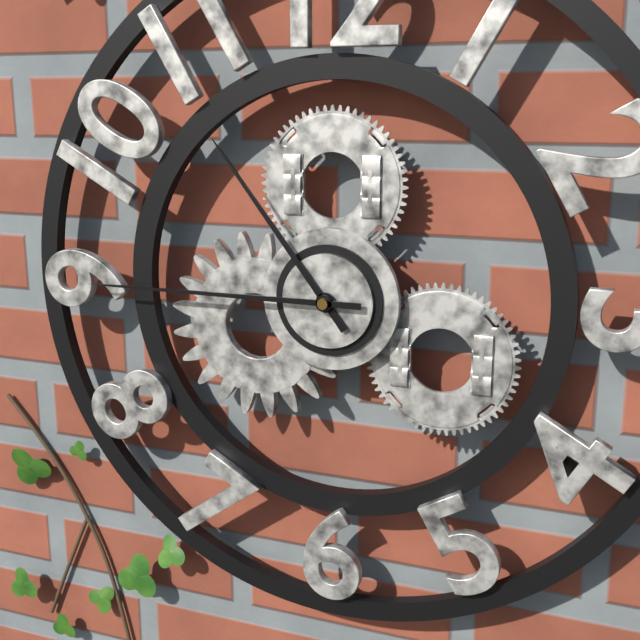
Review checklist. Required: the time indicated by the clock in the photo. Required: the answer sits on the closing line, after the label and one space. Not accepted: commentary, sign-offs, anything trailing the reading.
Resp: 10:45
